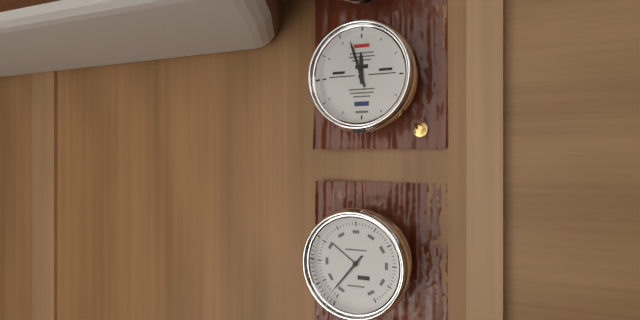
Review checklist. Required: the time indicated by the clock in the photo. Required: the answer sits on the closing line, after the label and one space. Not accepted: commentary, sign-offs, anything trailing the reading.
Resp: 11:57
